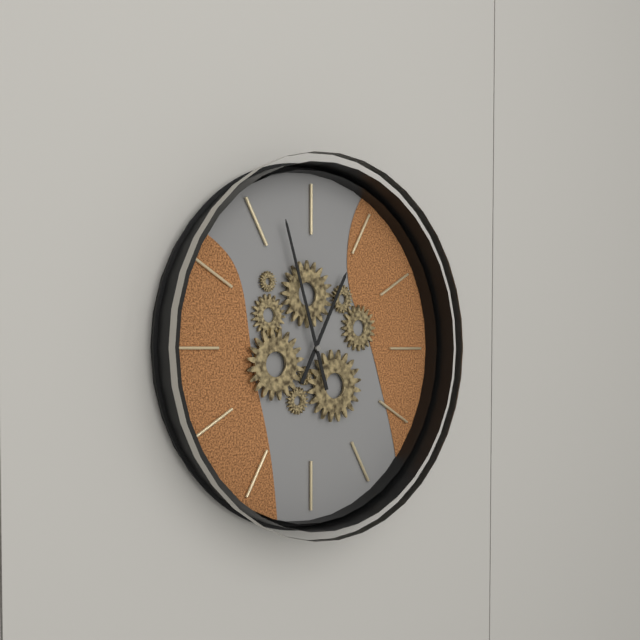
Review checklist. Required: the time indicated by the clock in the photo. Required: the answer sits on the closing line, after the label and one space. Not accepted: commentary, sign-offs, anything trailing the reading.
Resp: 12:57
